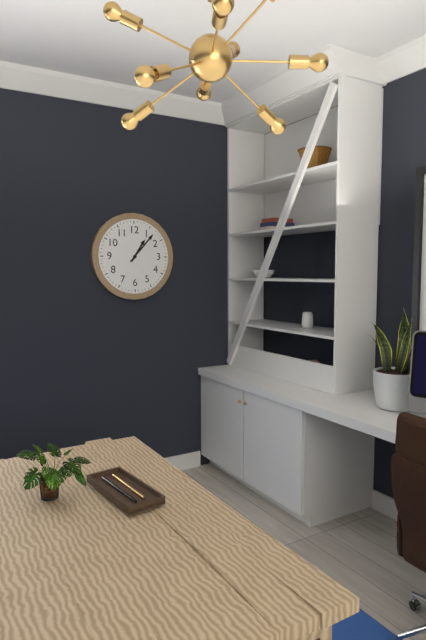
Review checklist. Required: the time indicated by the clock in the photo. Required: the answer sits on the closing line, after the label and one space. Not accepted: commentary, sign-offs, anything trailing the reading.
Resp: 1:07
